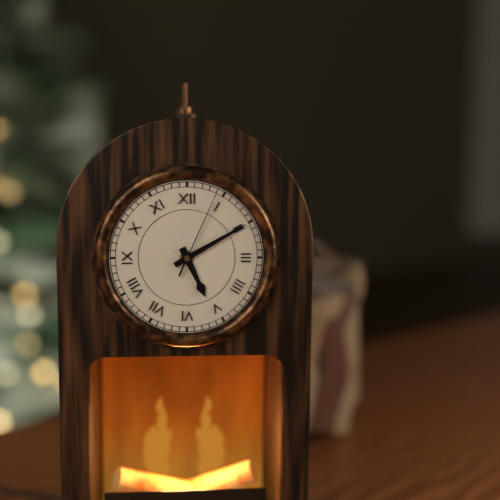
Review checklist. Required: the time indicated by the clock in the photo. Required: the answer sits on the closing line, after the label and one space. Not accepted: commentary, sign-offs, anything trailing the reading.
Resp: 5:10:04
